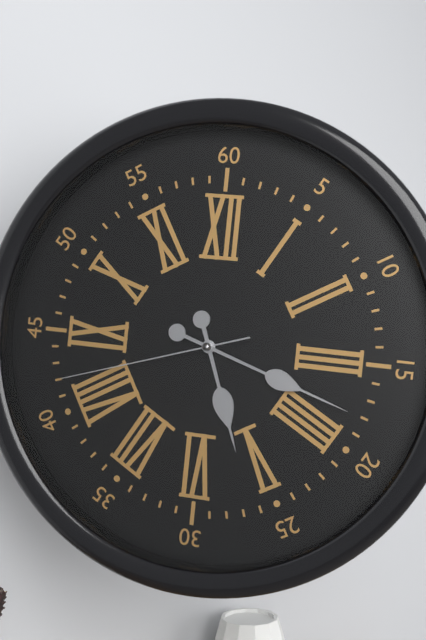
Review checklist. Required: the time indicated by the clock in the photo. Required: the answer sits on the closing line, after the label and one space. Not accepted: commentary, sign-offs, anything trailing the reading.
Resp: 5:18:42
